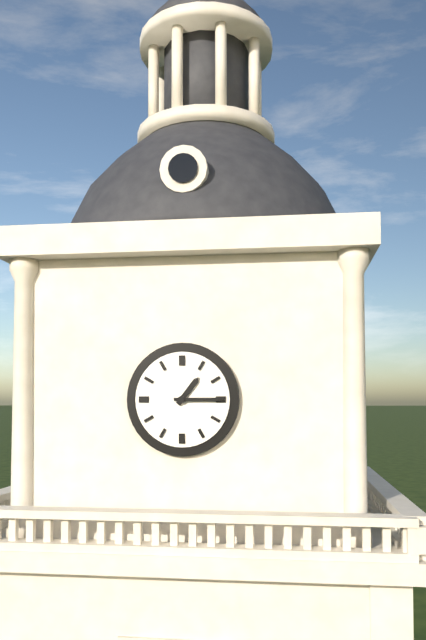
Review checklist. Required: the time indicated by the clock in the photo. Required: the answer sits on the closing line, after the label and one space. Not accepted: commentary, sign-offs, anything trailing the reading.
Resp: 1:15
